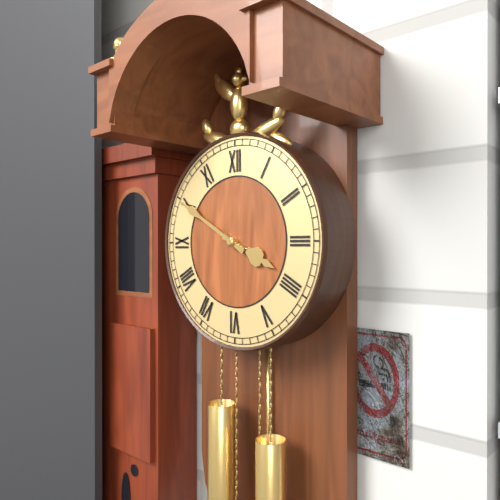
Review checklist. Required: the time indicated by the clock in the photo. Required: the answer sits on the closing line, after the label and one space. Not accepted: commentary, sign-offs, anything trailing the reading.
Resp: 3:50
